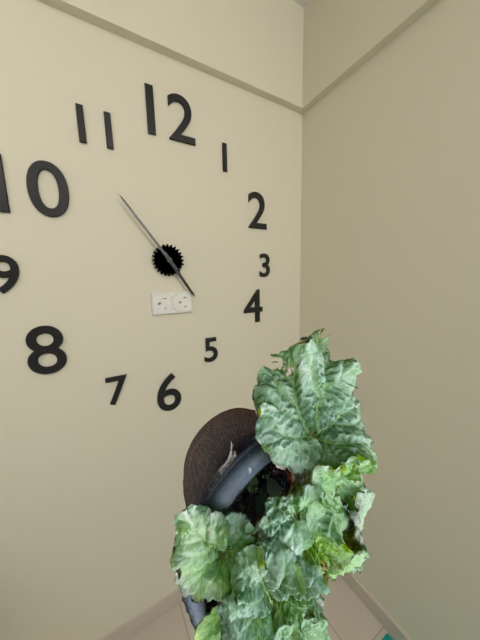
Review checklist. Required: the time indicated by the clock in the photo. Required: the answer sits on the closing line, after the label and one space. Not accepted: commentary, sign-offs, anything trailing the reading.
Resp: 4:54
